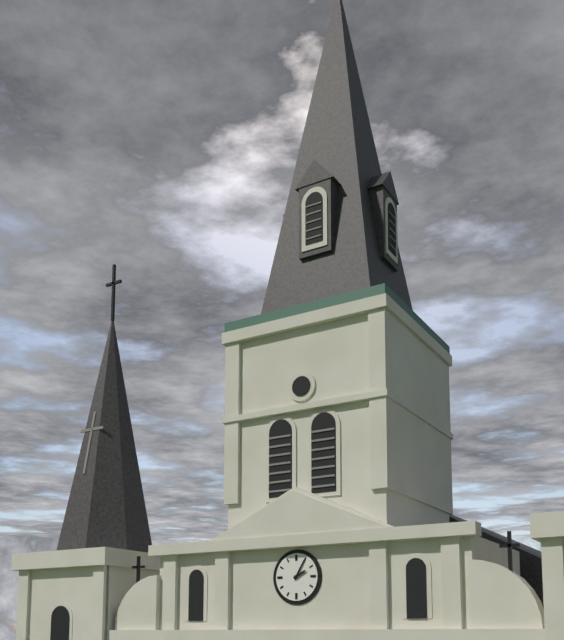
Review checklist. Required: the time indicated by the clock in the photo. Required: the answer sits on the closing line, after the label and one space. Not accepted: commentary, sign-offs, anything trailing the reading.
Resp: 2:05
